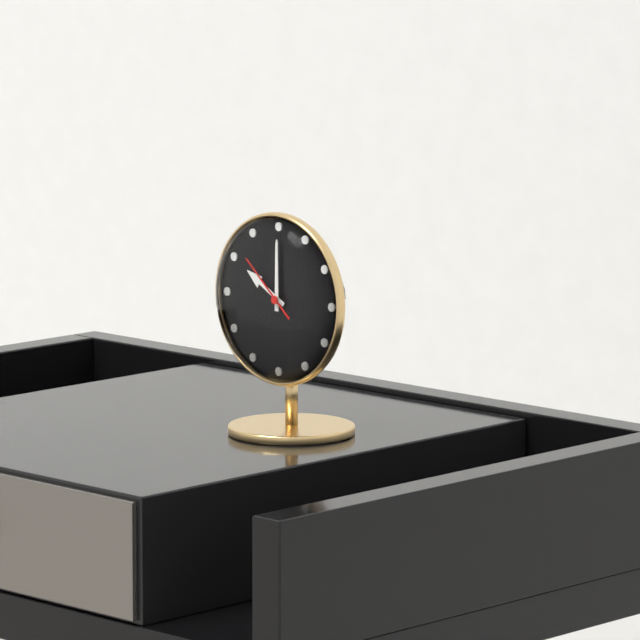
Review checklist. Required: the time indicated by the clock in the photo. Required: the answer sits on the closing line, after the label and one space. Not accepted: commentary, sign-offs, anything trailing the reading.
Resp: 10:00:52
